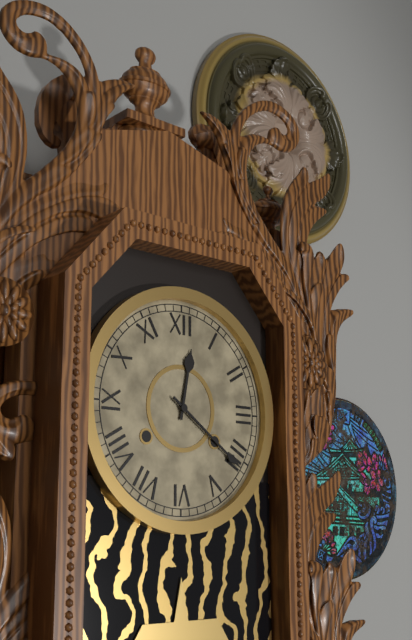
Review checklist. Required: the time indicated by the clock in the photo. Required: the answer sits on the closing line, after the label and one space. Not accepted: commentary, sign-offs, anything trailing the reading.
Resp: 12:21
